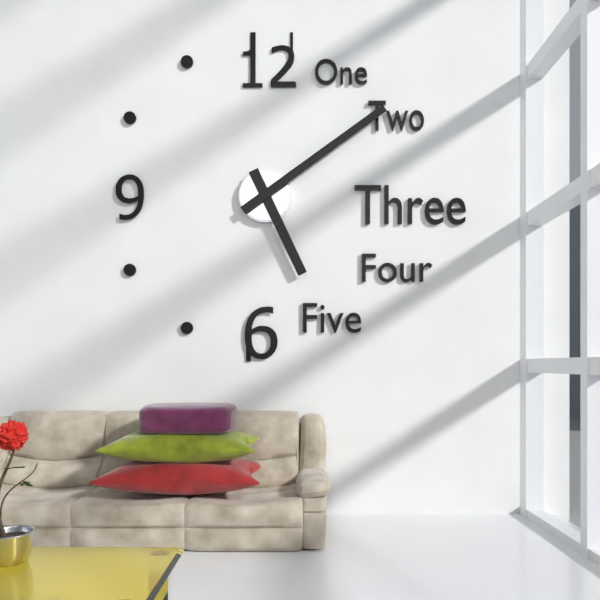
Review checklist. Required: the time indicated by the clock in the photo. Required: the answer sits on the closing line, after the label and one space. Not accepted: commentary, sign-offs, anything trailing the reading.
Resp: 5:09
